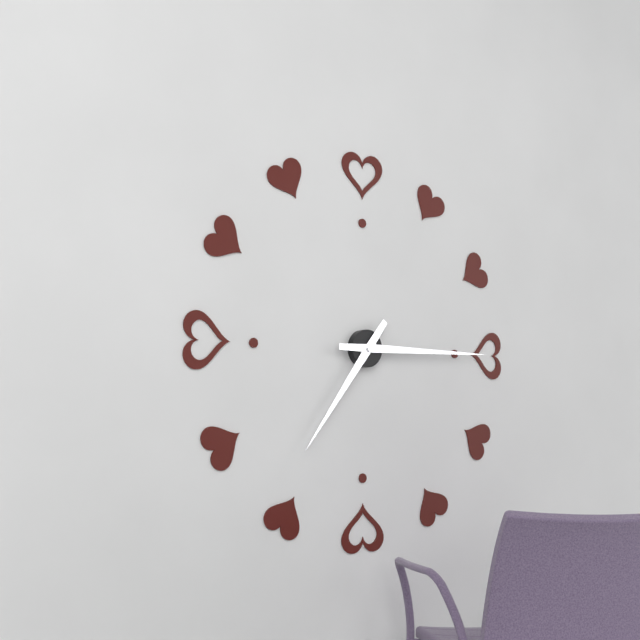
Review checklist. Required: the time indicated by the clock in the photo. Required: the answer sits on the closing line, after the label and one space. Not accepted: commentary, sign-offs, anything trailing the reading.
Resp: 7:15
